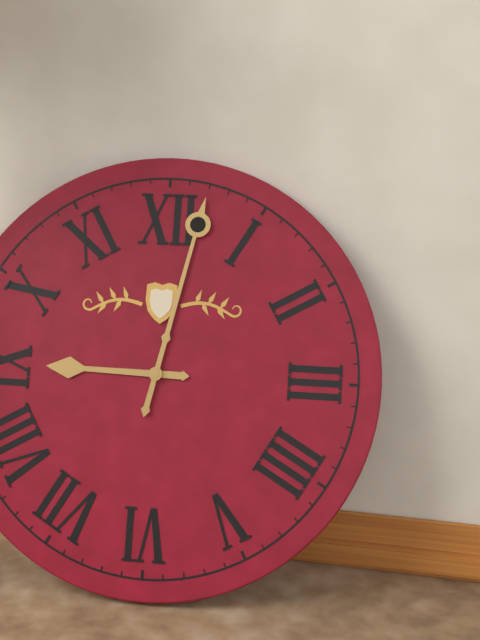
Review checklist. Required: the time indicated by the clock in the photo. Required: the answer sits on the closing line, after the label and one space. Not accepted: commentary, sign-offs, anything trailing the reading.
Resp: 9:02
